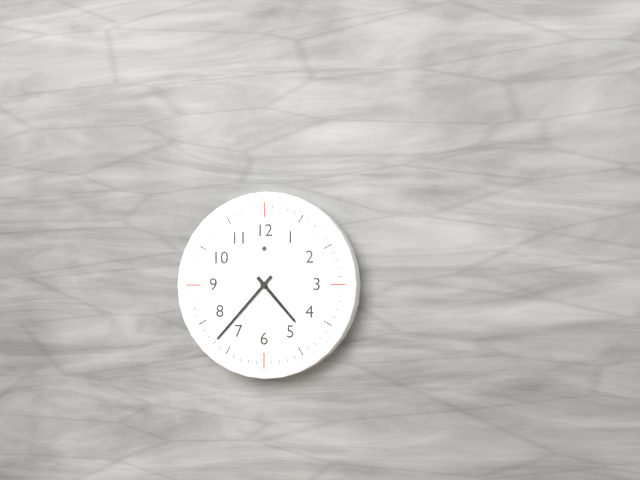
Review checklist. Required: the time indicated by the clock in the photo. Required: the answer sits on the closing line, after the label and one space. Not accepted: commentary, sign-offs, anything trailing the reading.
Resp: 4:37
